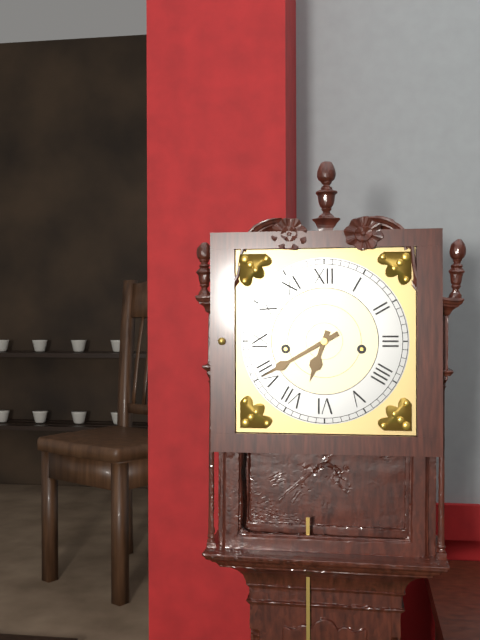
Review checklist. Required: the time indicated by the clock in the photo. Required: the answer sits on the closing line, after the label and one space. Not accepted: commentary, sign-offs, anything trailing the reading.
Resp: 6:40
